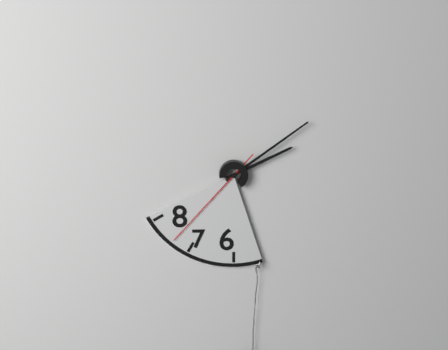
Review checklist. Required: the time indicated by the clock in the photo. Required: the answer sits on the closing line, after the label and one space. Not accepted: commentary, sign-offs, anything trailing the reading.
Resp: 2:09:37
